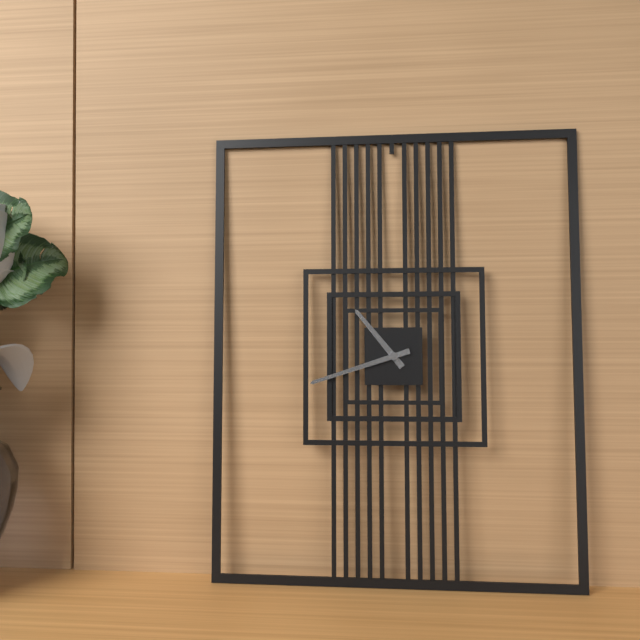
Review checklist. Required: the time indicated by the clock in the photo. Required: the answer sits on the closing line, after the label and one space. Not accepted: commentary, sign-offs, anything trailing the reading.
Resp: 10:42
